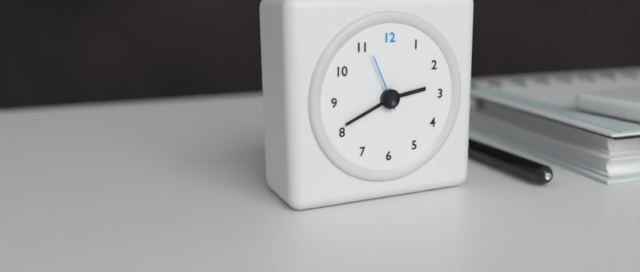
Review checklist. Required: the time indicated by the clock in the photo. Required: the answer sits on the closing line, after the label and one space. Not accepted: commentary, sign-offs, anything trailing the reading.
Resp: 2:41:56
